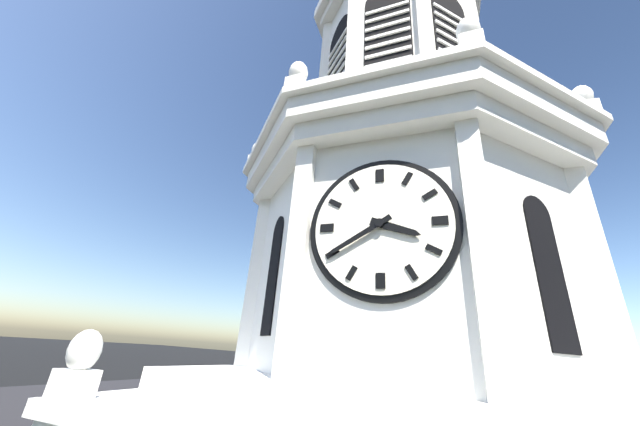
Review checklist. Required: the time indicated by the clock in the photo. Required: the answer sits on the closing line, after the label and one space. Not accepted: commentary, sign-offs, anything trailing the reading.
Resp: 3:40
